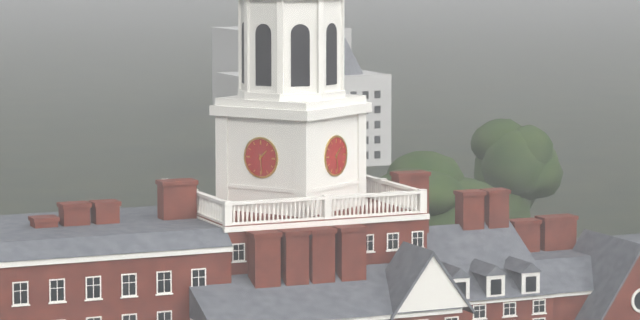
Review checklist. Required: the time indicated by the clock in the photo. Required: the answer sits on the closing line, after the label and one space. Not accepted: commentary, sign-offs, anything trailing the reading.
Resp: 1:29
